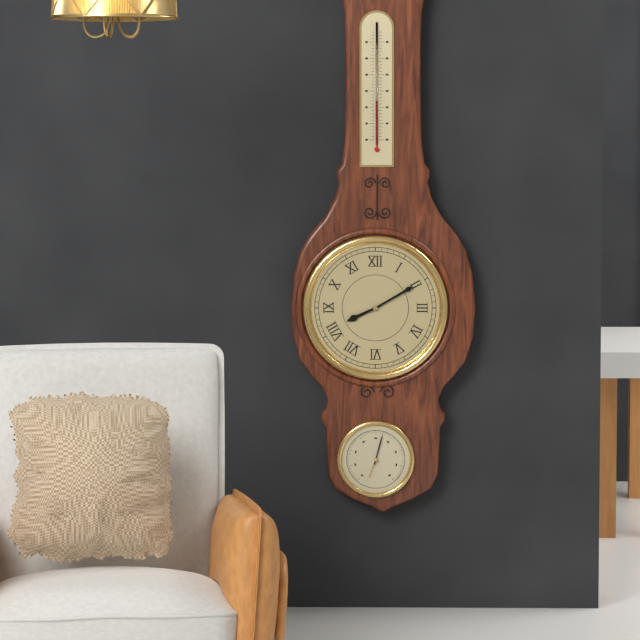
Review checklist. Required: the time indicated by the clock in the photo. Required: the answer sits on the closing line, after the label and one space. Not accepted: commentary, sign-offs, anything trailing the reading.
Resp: 8:10
